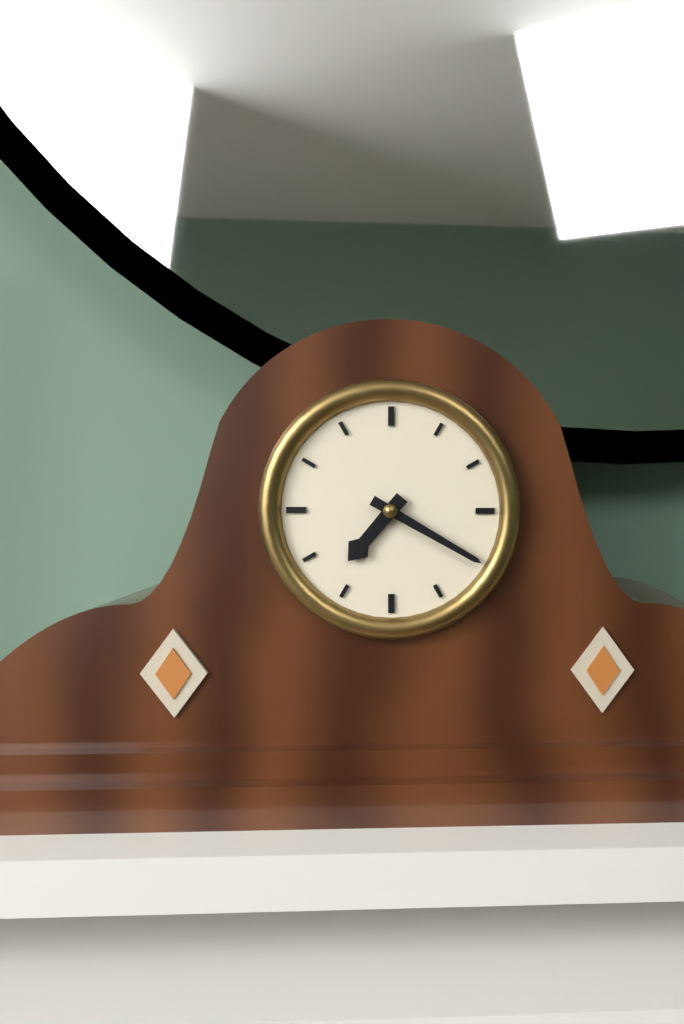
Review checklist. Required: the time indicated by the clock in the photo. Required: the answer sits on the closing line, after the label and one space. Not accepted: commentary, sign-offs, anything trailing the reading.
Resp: 7:20
